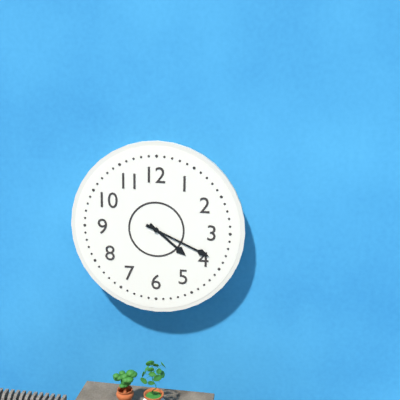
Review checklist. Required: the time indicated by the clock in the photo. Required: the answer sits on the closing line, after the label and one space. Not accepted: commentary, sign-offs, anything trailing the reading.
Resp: 4:19
